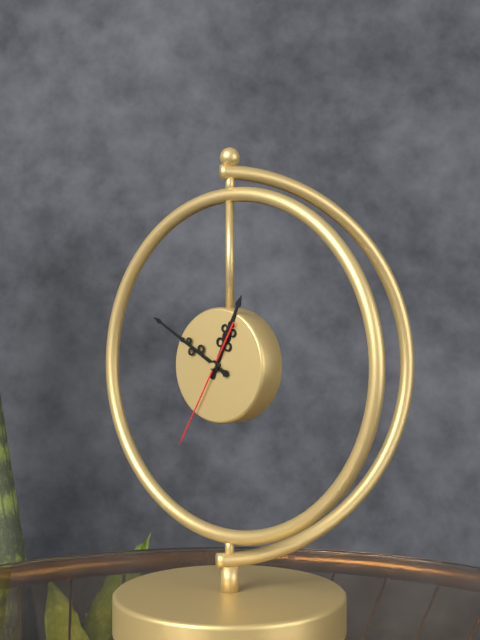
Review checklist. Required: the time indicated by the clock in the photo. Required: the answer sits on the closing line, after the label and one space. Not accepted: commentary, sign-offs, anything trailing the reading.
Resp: 12:50:35
